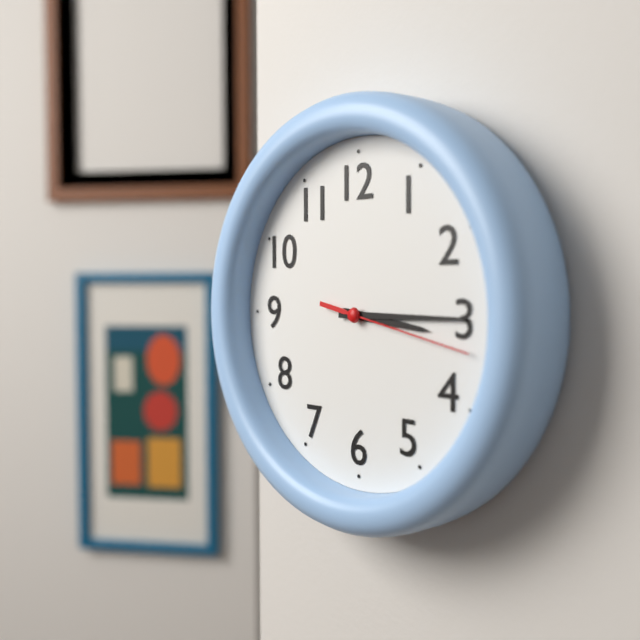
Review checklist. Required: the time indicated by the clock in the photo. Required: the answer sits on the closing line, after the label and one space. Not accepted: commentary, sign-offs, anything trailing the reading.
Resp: 3:15:17
